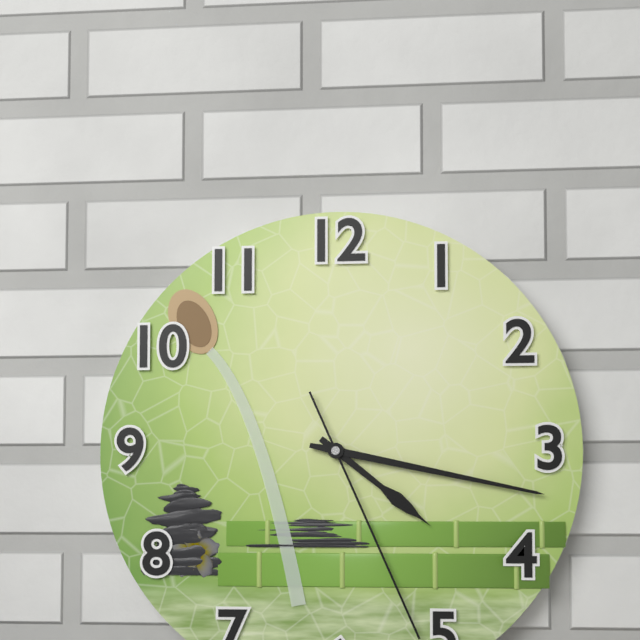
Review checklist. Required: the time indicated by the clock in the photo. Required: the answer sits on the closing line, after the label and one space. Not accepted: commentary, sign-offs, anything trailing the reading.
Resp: 4:17:26
